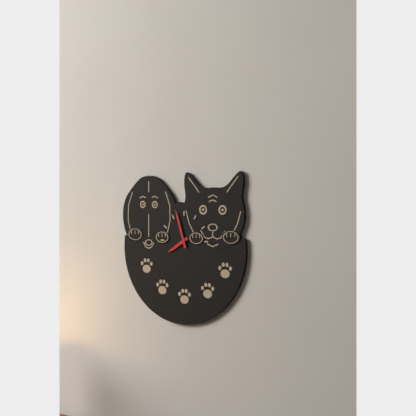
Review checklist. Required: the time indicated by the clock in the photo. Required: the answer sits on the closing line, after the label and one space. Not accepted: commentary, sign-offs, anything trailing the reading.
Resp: 7:57
